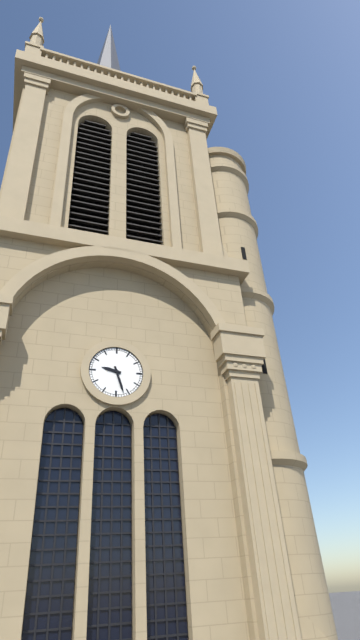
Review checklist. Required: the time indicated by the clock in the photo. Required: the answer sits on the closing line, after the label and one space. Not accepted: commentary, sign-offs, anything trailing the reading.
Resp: 9:27
